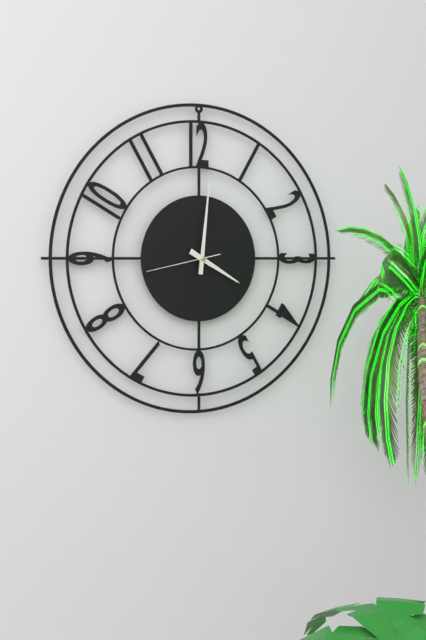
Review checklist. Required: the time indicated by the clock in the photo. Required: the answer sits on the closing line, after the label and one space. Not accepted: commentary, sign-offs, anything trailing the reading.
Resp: 4:01:43
